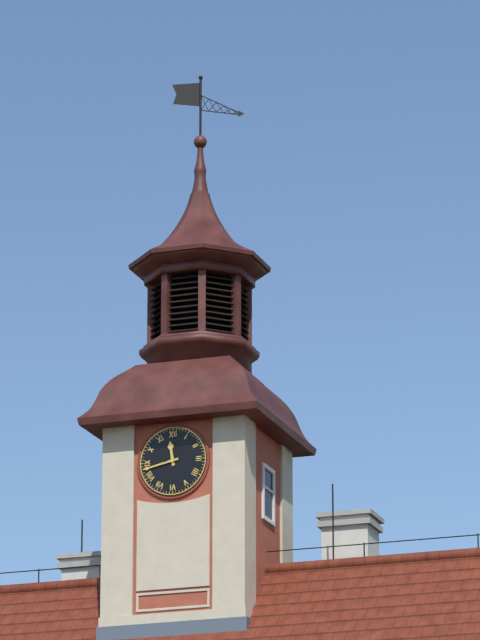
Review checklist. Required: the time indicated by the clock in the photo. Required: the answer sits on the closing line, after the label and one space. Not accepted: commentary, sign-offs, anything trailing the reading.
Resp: 11:43
